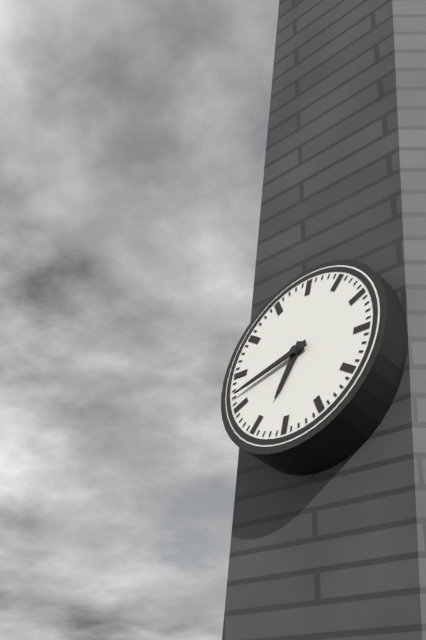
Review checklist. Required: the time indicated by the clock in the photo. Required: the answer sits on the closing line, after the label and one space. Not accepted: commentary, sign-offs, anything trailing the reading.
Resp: 6:42
